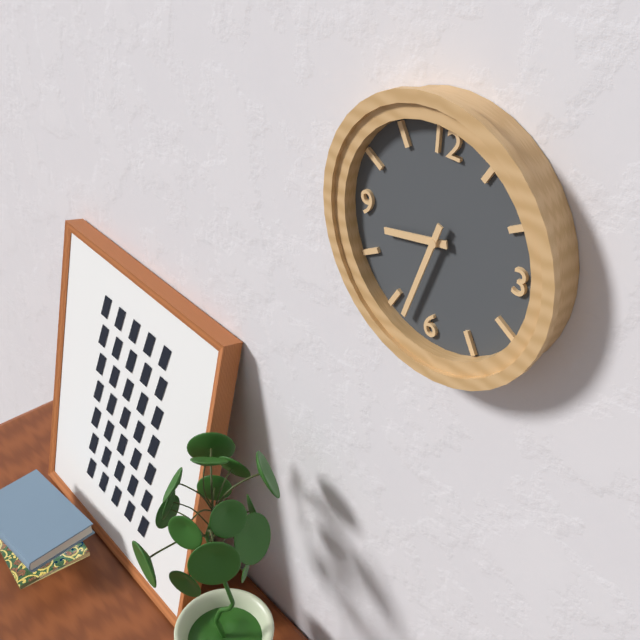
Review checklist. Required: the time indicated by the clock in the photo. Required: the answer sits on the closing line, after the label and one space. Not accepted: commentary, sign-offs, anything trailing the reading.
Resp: 8:33
